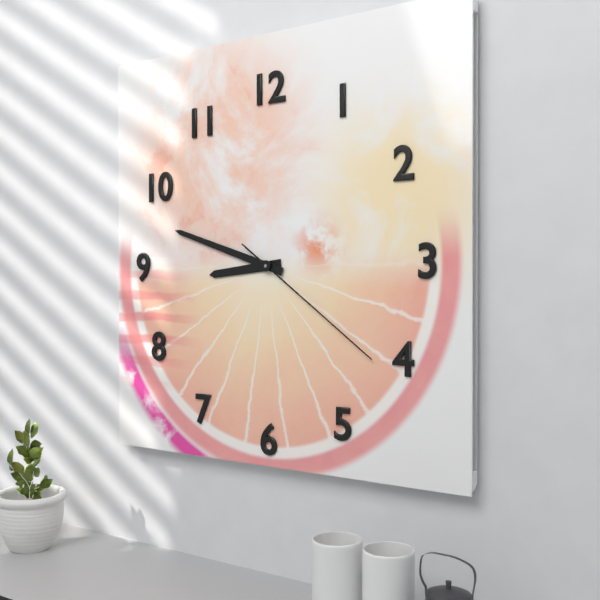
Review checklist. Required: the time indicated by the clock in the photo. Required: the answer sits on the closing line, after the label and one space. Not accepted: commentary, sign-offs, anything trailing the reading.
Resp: 8:48:21
